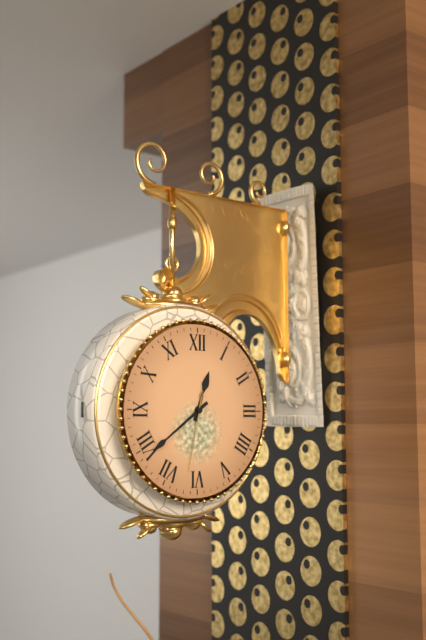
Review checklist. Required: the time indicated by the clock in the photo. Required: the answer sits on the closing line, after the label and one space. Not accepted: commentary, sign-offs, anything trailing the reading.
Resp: 12:39:32
